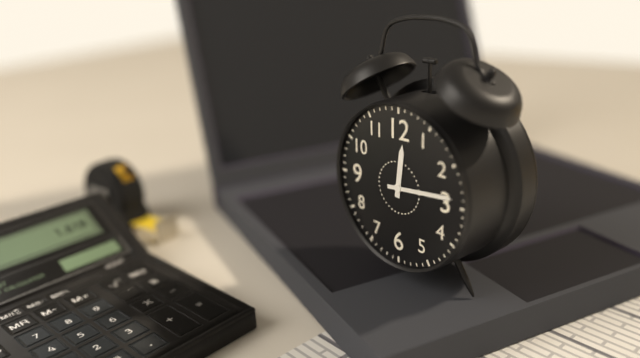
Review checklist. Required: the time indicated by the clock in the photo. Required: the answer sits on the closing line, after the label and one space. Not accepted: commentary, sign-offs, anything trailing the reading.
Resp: 12:14
